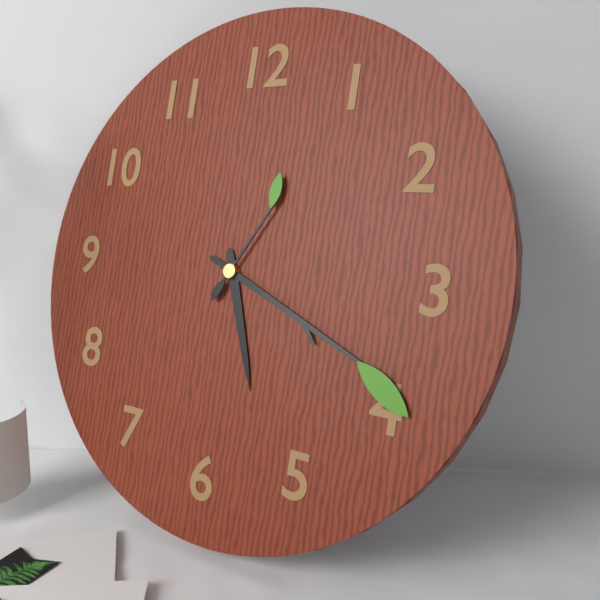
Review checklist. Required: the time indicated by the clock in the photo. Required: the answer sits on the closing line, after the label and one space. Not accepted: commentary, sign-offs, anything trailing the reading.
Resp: 5:19:05
